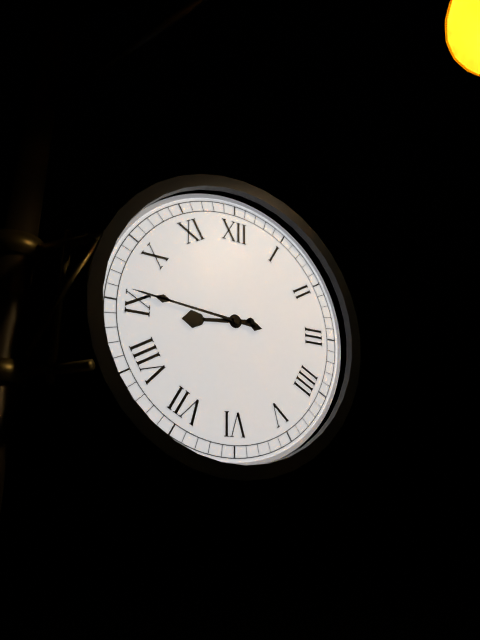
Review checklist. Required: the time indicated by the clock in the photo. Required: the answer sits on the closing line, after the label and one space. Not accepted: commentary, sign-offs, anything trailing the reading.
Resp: 8:46
